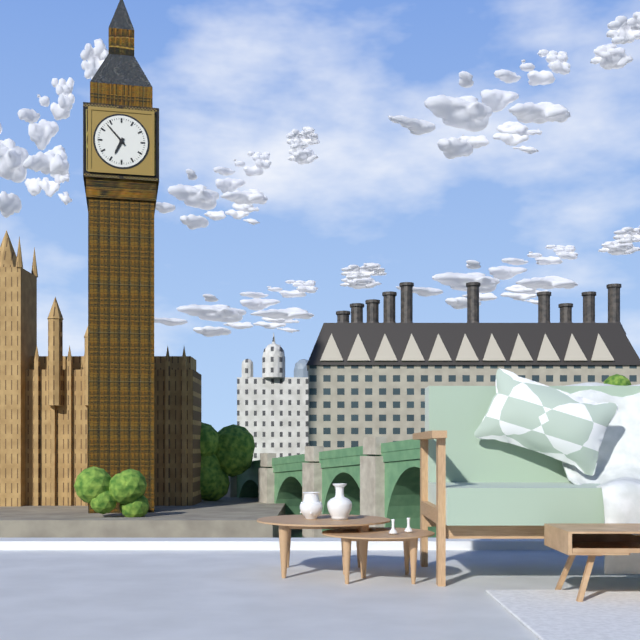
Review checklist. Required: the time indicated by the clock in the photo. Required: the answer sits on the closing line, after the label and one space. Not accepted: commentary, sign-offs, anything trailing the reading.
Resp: 6:53
